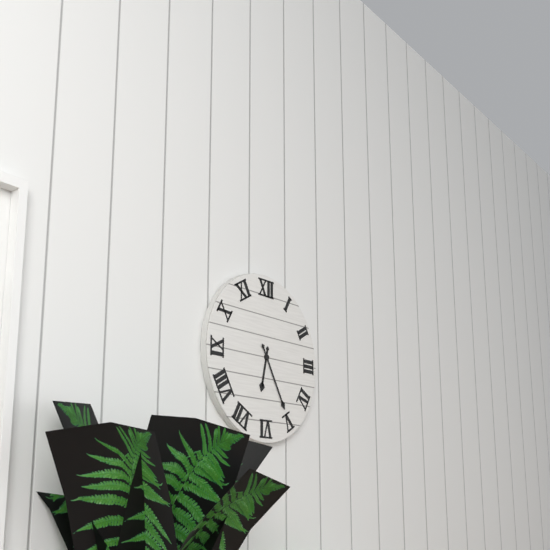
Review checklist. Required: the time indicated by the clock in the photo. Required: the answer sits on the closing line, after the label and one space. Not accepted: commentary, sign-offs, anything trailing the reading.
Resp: 6:25
